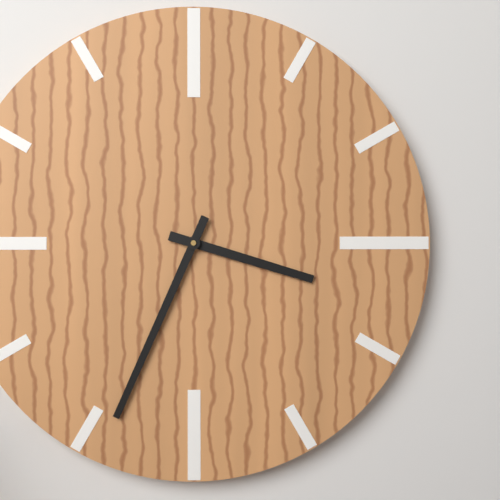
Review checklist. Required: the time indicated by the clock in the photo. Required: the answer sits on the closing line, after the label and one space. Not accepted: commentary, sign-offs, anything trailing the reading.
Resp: 3:34
